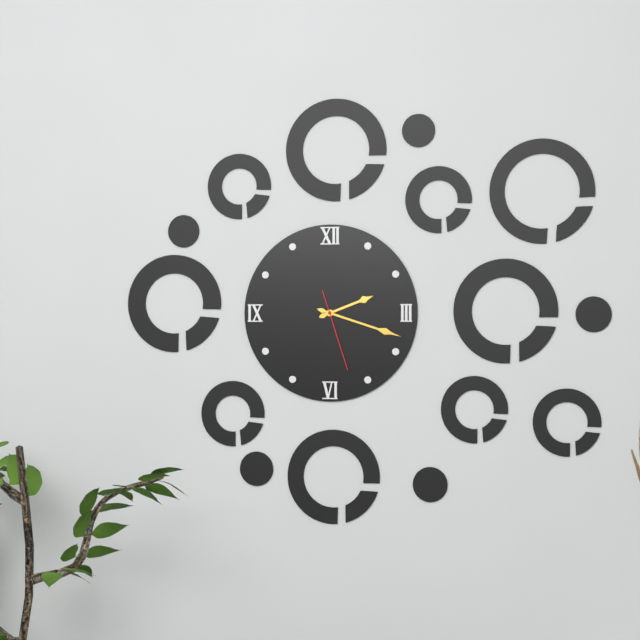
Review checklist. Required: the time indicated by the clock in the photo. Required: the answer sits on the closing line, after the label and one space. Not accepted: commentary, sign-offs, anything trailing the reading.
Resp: 2:18:27
